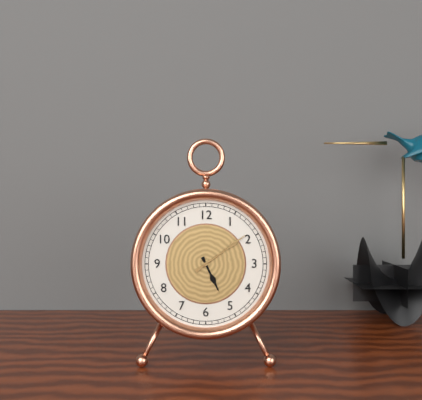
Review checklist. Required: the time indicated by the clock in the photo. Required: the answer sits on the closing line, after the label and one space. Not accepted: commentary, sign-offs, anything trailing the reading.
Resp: 5:09
